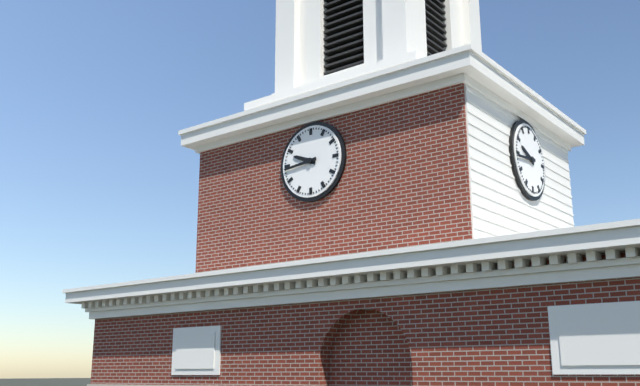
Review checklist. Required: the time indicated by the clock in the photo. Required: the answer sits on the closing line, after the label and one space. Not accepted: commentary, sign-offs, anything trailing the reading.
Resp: 9:44
